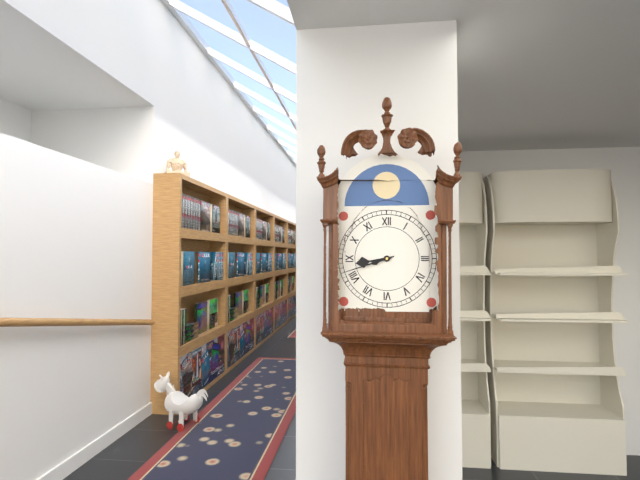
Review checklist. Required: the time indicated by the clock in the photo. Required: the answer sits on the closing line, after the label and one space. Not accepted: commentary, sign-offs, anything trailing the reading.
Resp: 8:42
